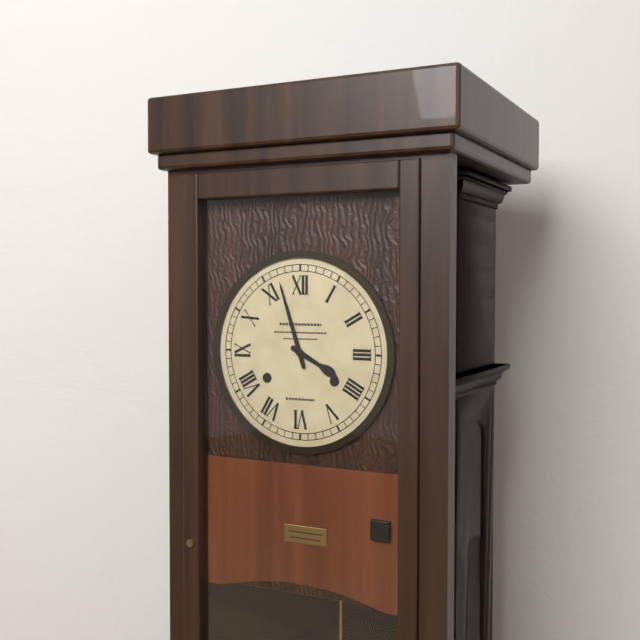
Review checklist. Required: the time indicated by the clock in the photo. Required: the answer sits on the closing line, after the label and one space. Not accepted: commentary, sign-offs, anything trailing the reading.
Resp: 3:57
